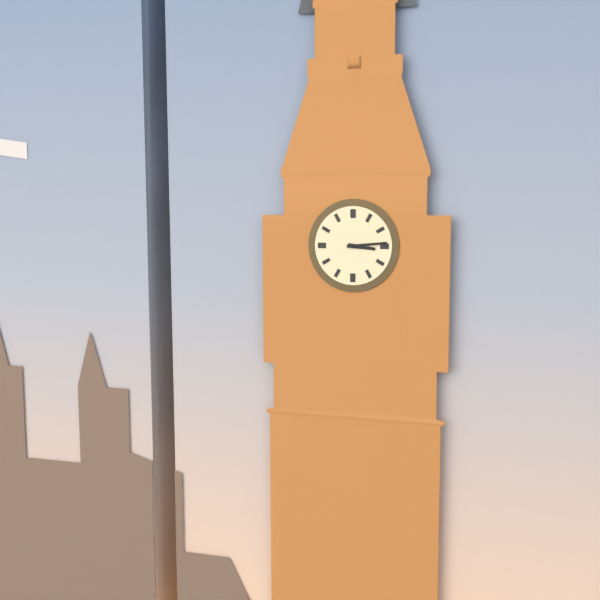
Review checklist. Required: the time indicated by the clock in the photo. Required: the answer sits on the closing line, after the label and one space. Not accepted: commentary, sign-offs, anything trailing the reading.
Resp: 3:14
